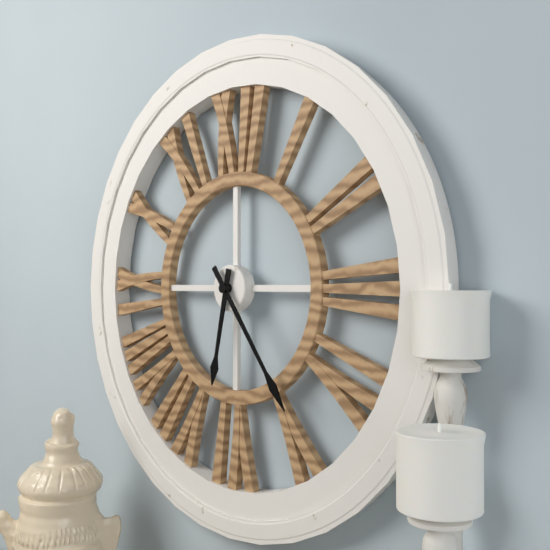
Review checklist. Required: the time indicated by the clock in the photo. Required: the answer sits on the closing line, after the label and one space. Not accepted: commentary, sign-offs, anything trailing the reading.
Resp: 6:24
